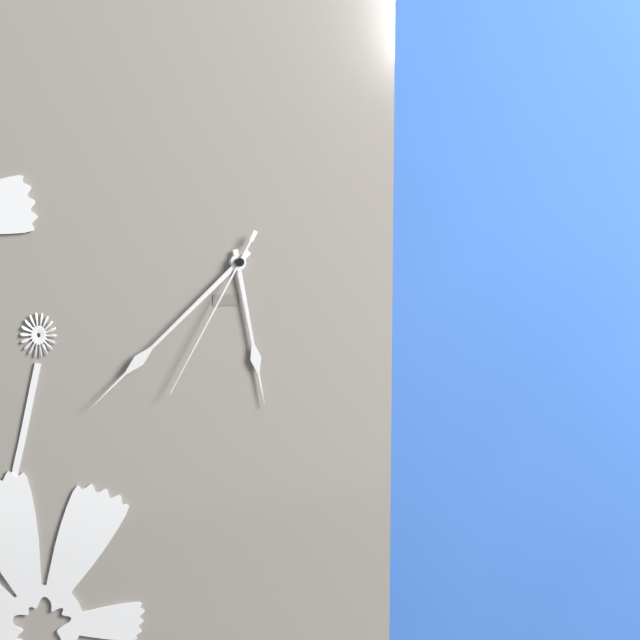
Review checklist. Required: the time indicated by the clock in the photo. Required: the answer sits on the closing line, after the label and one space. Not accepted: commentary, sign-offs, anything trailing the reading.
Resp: 5:38:35
